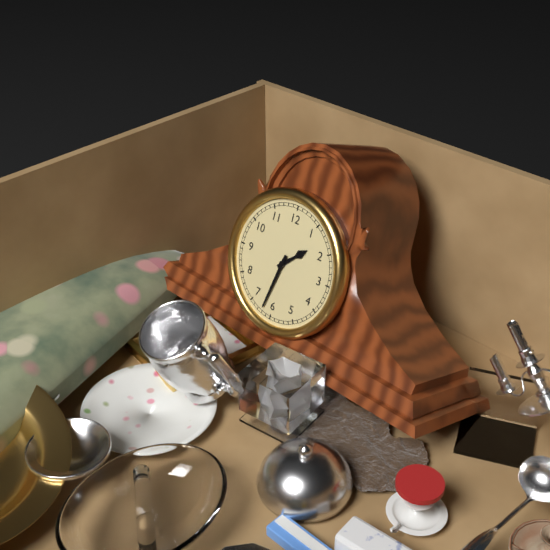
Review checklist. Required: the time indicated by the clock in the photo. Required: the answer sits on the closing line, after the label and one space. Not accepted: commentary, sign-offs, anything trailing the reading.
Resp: 1:32
